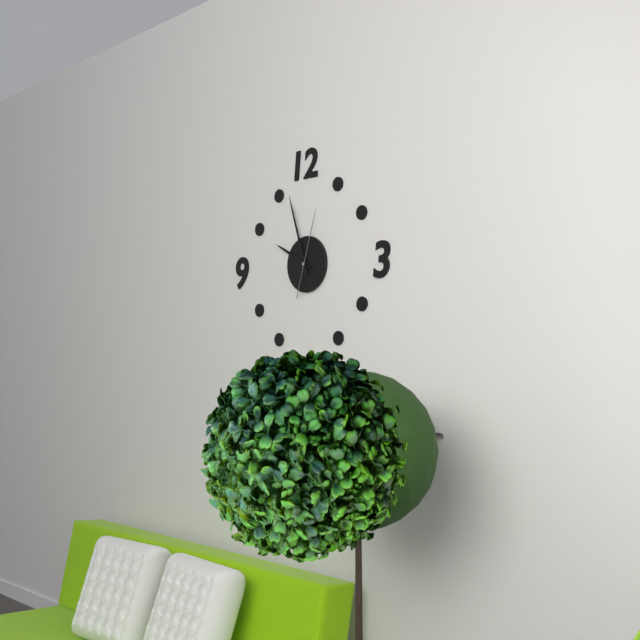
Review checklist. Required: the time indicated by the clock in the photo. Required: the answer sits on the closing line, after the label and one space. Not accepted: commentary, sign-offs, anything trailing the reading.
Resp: 9:57:03
